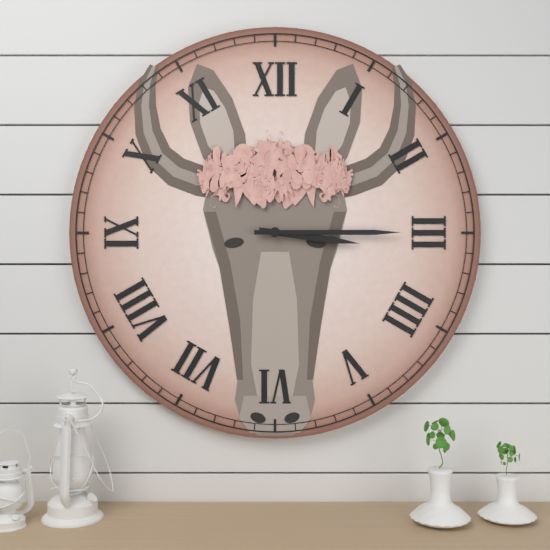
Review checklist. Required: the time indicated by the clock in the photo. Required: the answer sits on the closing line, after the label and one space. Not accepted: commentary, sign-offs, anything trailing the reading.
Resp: 3:15
